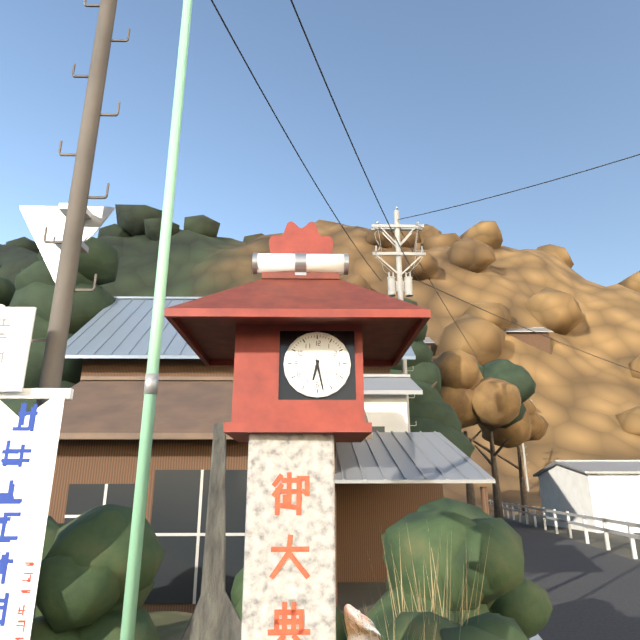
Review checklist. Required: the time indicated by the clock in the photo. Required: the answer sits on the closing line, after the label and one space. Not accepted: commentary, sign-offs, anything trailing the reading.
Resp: 6:28
